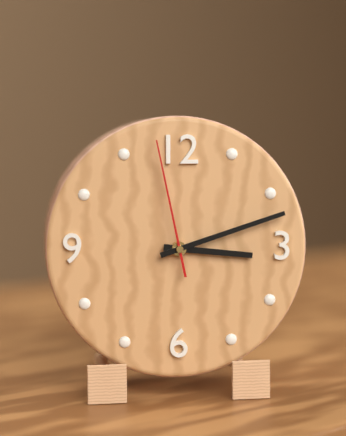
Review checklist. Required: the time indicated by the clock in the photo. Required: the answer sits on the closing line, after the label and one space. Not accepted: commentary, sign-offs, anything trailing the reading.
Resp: 3:12:58
